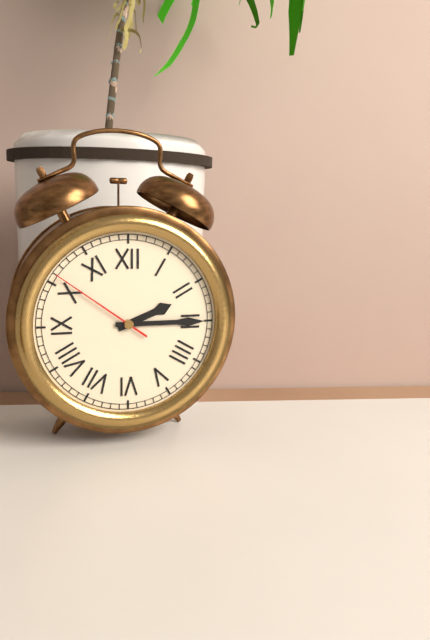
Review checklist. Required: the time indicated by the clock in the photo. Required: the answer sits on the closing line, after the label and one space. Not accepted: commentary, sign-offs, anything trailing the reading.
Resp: 2:15:51
